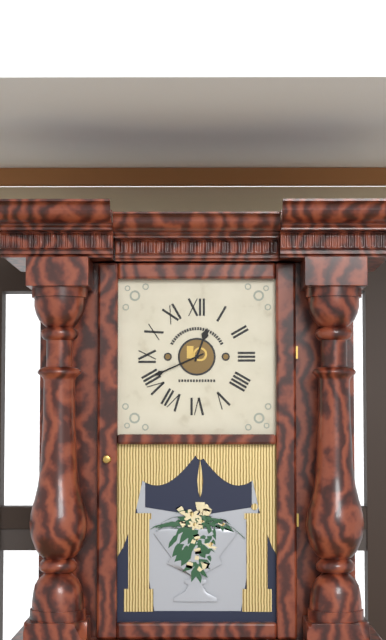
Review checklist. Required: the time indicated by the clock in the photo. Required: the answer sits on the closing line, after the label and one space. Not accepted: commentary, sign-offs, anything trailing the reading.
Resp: 12:41
